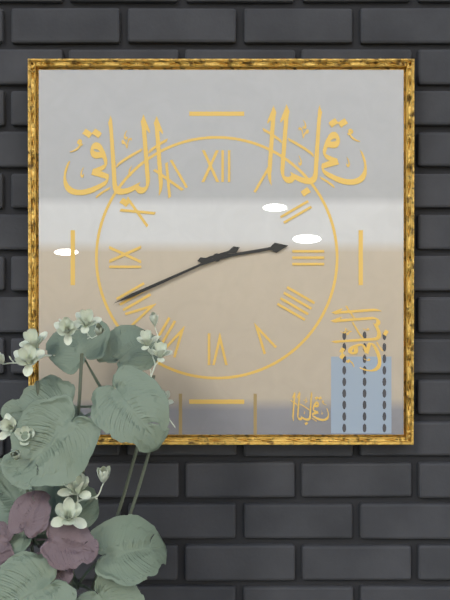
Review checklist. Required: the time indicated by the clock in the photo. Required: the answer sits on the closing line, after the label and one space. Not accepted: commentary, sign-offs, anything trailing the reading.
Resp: 2:41
